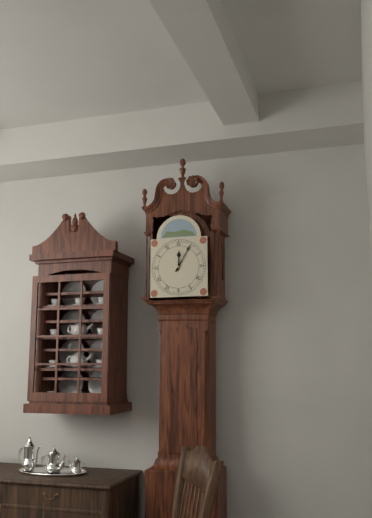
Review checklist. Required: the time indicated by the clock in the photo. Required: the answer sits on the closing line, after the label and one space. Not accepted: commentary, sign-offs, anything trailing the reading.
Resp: 12:05
